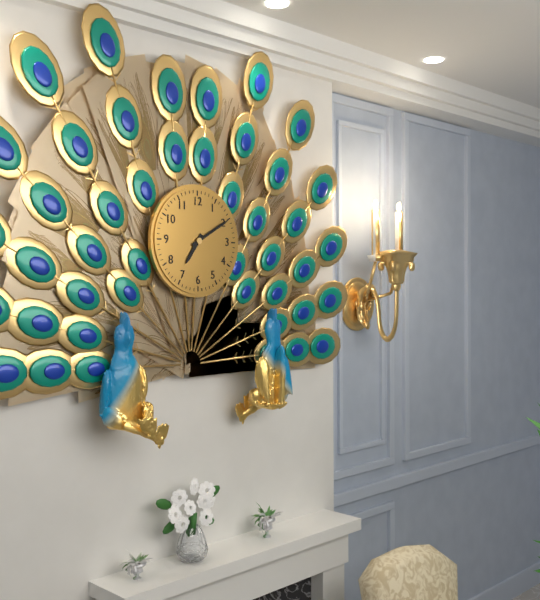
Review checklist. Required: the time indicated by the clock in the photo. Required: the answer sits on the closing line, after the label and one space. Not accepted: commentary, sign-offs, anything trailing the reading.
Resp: 7:10
